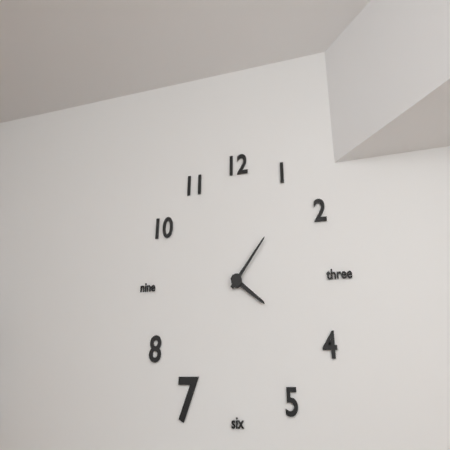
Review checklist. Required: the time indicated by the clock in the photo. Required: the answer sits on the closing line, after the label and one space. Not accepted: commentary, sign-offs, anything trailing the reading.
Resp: 4:07
